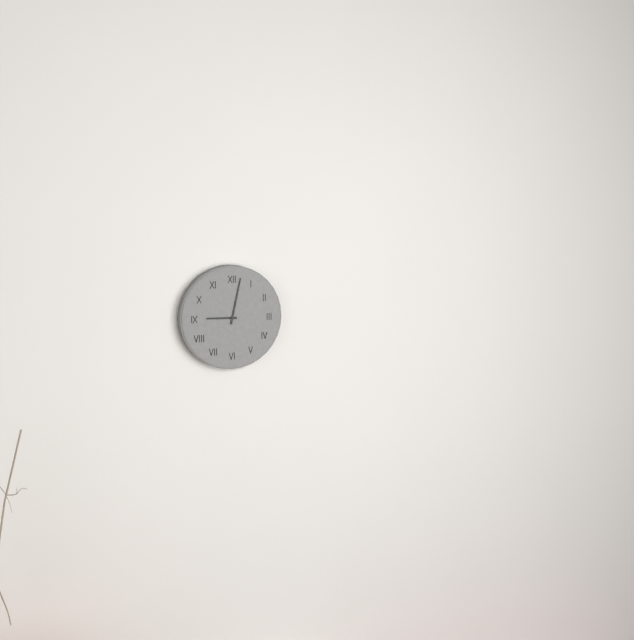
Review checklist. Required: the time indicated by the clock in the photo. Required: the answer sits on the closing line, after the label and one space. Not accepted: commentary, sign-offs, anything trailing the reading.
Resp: 9:02
